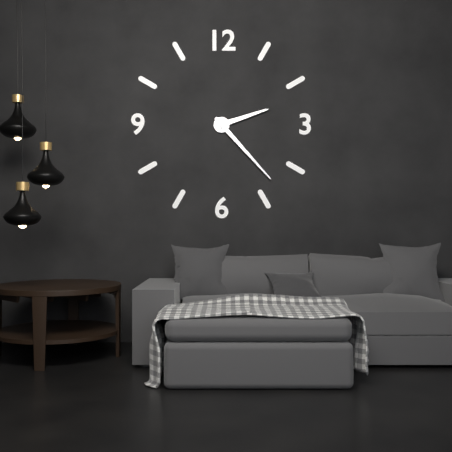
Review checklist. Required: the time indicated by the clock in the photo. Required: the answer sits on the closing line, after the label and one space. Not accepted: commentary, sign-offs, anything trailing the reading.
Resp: 2:23
